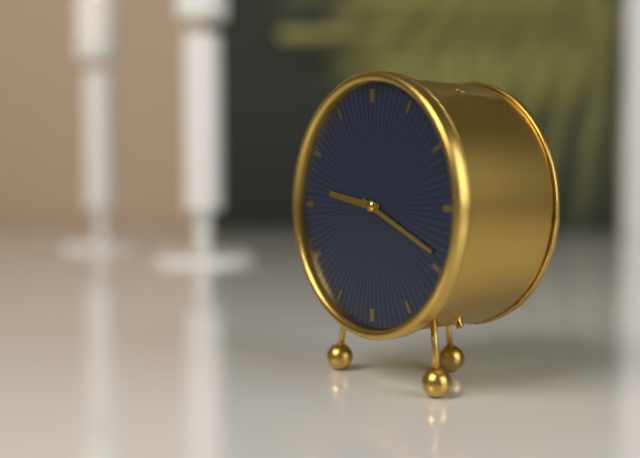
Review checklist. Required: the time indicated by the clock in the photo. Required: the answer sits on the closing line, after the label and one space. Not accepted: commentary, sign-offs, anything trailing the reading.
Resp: 9:19
